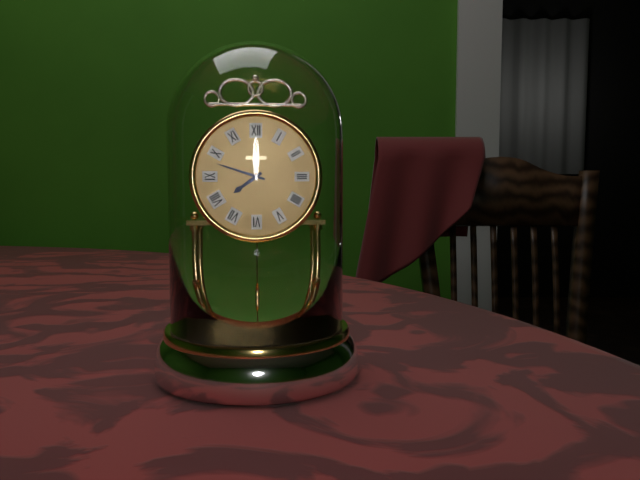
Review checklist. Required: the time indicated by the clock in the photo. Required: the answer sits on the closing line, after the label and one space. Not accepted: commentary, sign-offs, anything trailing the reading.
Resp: 7:48
